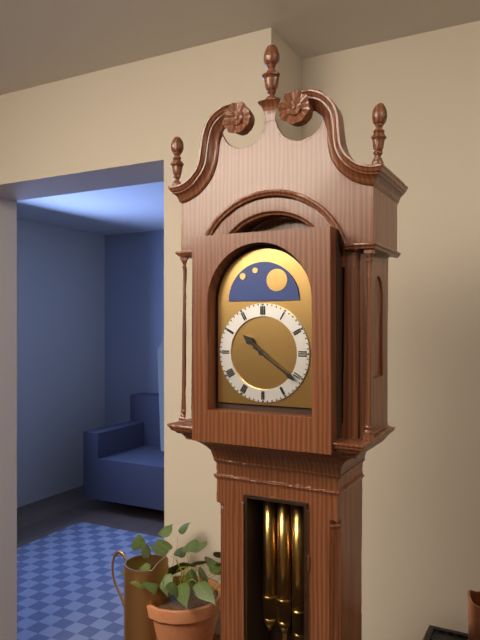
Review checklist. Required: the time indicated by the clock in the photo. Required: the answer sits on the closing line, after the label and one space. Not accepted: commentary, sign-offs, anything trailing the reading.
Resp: 10:21
